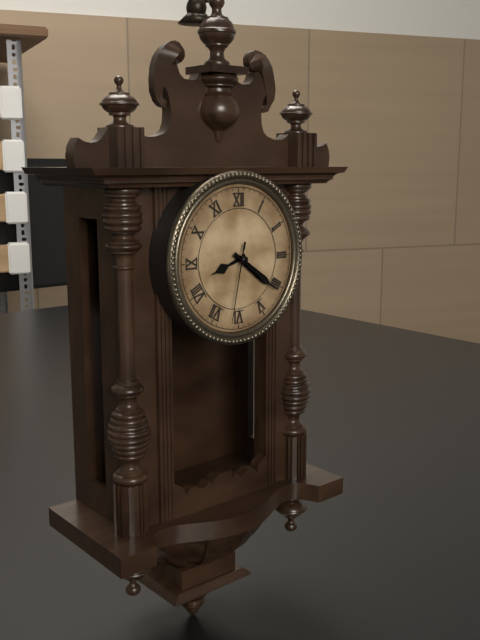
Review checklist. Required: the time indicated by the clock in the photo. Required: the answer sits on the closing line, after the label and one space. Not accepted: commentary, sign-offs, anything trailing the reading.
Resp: 8:21:32
